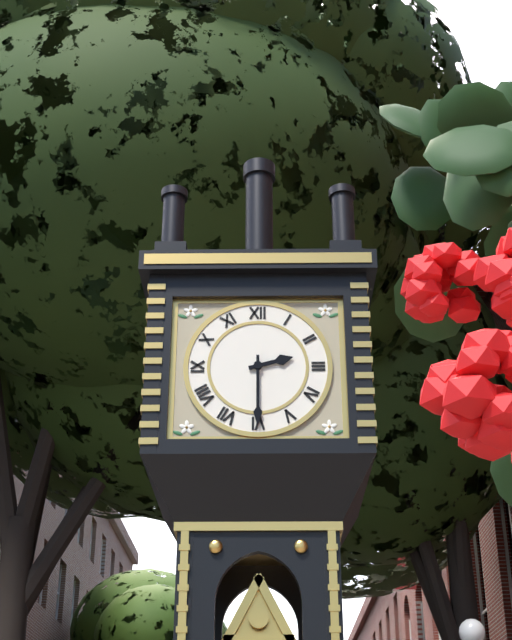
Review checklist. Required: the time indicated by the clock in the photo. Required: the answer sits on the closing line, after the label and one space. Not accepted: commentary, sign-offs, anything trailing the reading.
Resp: 2:30
